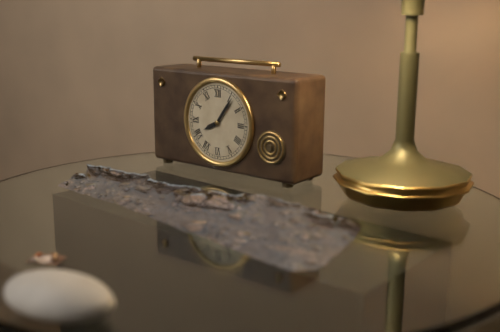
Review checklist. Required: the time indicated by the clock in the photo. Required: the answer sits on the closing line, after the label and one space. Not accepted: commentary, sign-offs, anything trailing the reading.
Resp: 8:06
